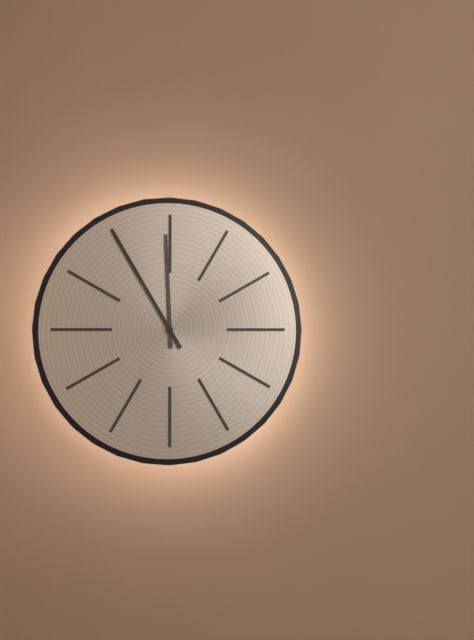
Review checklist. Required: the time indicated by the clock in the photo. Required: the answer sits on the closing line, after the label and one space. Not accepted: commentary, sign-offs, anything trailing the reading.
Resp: 11:55
